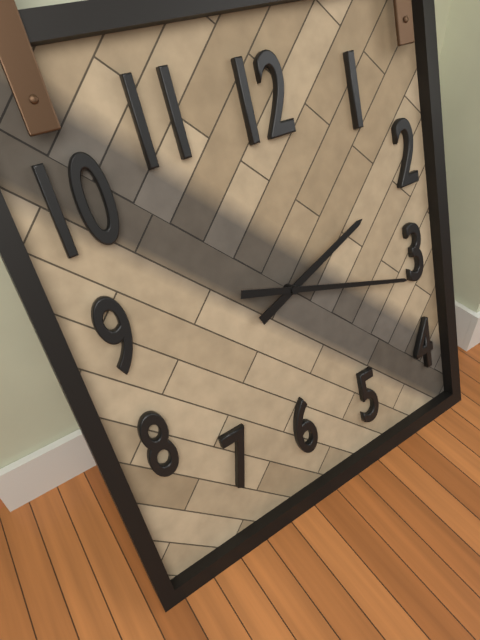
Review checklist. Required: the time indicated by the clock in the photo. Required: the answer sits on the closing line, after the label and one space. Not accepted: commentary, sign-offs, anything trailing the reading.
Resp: 2:18
